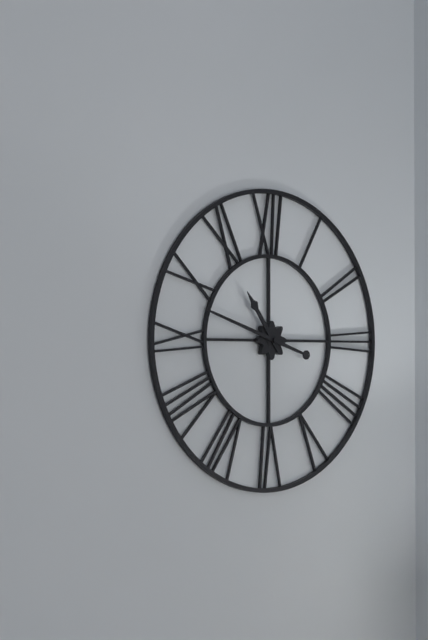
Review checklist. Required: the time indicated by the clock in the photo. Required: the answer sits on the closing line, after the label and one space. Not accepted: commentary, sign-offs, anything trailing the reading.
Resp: 10:48
